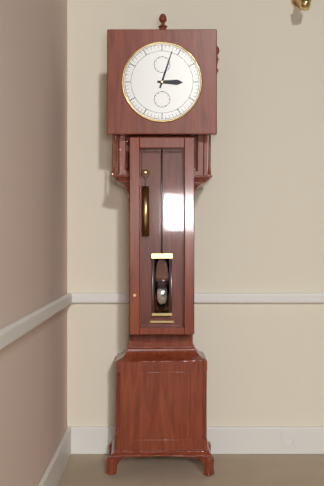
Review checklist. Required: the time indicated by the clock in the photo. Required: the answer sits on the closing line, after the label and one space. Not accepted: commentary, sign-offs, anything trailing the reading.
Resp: 3:03
